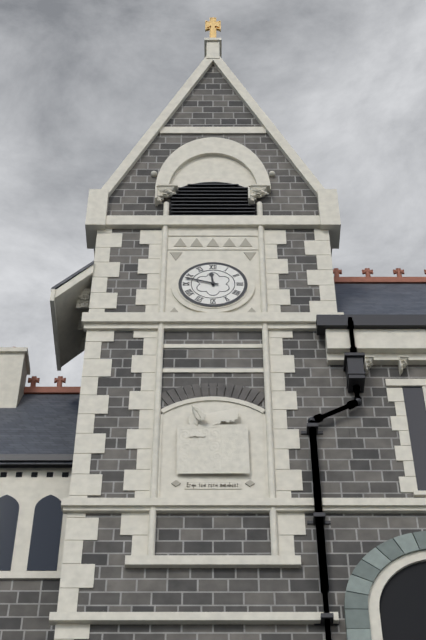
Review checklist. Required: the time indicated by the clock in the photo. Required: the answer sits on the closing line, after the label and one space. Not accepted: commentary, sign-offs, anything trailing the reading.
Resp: 11:48
